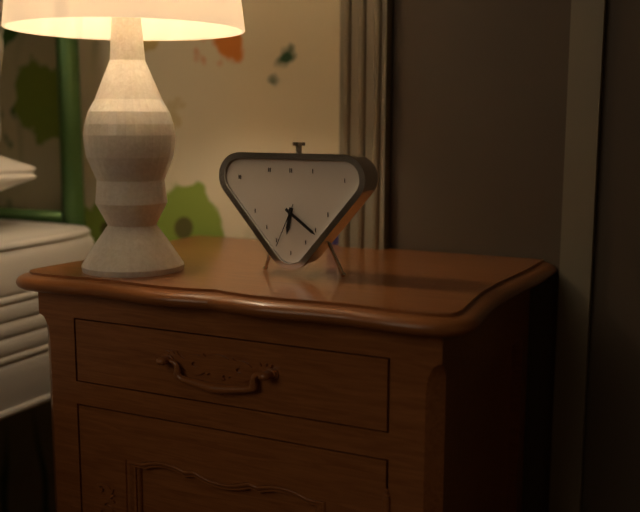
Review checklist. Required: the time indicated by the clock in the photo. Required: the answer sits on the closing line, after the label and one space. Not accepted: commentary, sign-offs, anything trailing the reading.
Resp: 6:21
